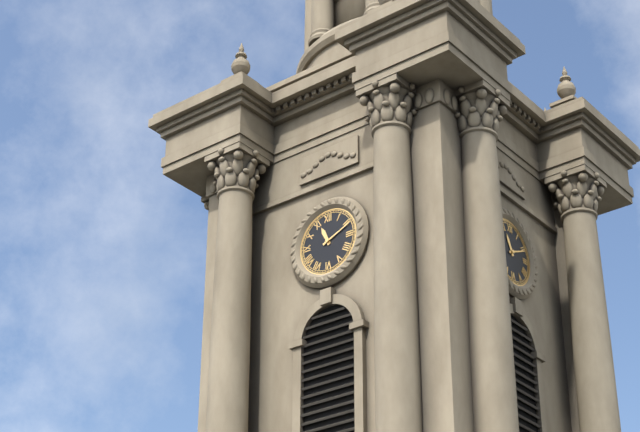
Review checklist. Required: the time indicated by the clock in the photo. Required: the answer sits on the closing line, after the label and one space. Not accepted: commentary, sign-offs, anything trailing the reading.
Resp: 11:11
